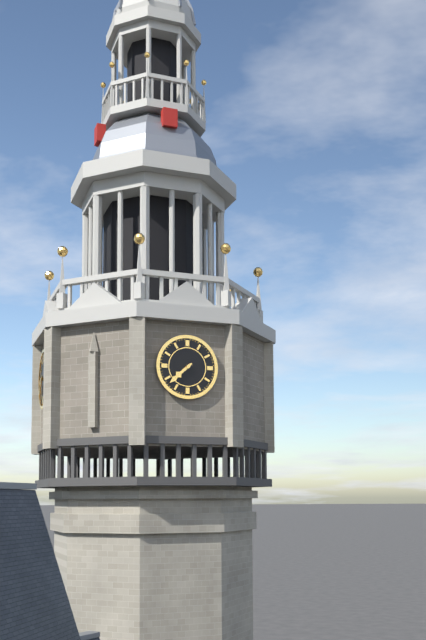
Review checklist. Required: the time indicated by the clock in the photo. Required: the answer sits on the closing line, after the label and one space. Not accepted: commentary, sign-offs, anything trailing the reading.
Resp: 7:38
